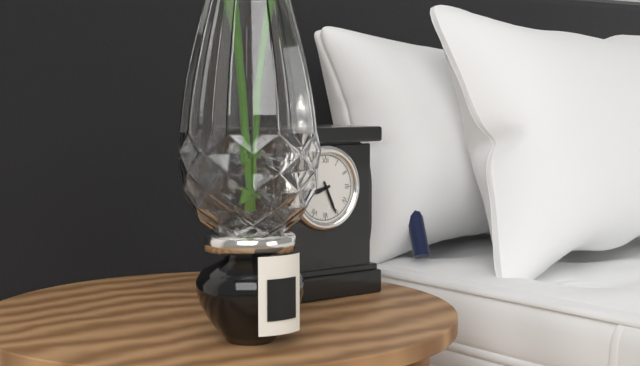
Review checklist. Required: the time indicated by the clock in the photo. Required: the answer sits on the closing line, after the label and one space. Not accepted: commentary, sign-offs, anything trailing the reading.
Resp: 8:26
